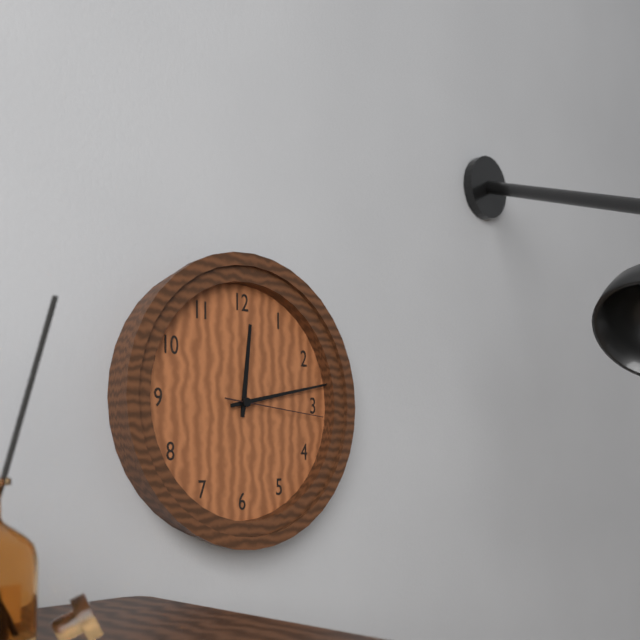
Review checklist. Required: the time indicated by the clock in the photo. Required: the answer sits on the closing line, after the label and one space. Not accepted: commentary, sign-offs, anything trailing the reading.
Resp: 12:13:16
